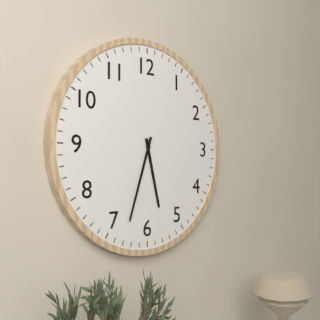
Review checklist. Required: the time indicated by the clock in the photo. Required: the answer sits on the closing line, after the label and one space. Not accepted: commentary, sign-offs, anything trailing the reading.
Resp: 5:33
